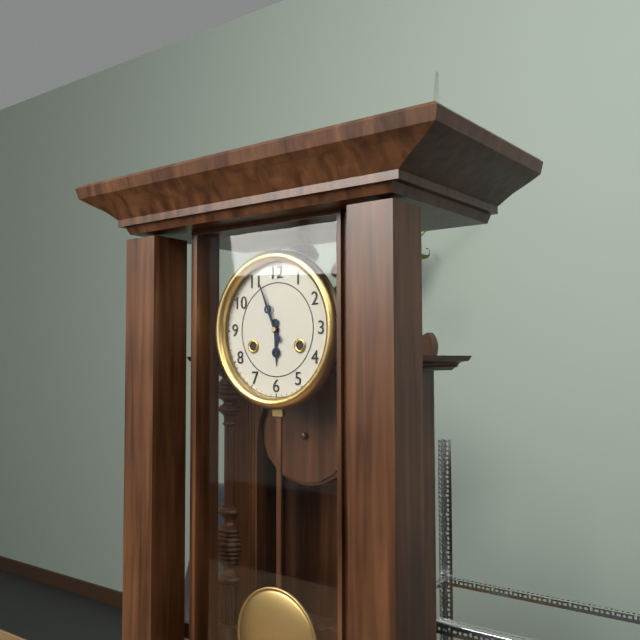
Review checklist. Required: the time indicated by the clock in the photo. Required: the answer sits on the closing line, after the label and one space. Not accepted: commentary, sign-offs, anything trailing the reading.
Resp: 5:56
